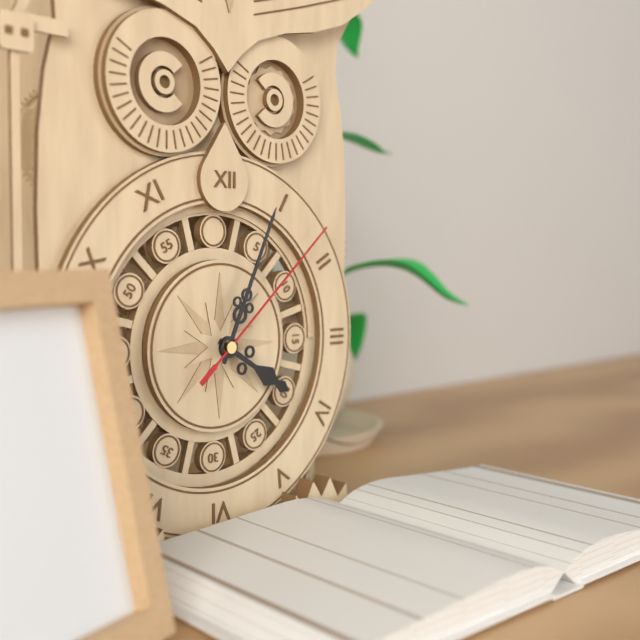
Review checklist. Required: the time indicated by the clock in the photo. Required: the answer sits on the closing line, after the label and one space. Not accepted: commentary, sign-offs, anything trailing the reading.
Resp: 4:04:08
